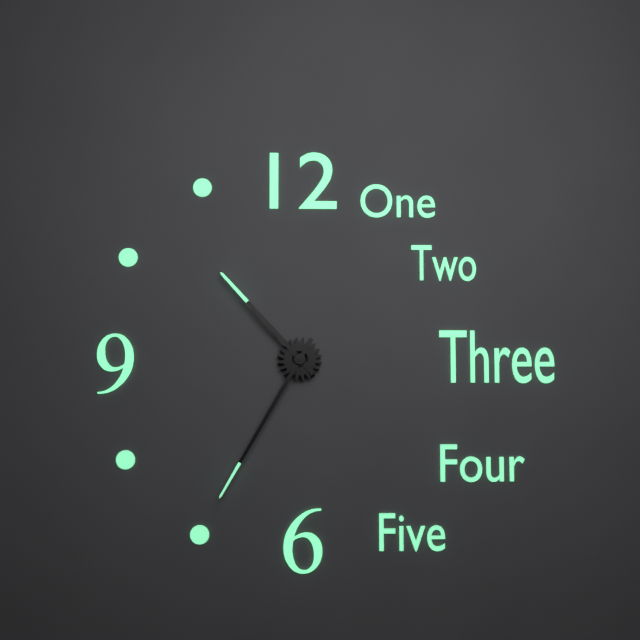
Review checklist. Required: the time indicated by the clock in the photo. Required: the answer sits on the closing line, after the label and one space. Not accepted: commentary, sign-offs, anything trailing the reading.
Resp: 10:35
